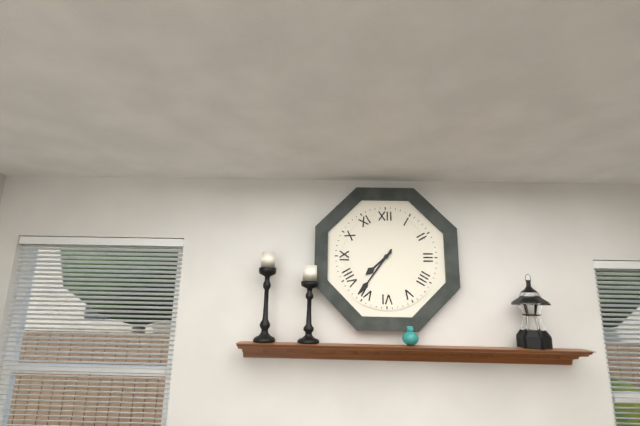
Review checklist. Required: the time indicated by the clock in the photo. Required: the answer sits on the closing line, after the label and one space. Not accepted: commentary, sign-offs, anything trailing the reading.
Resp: 7:36
